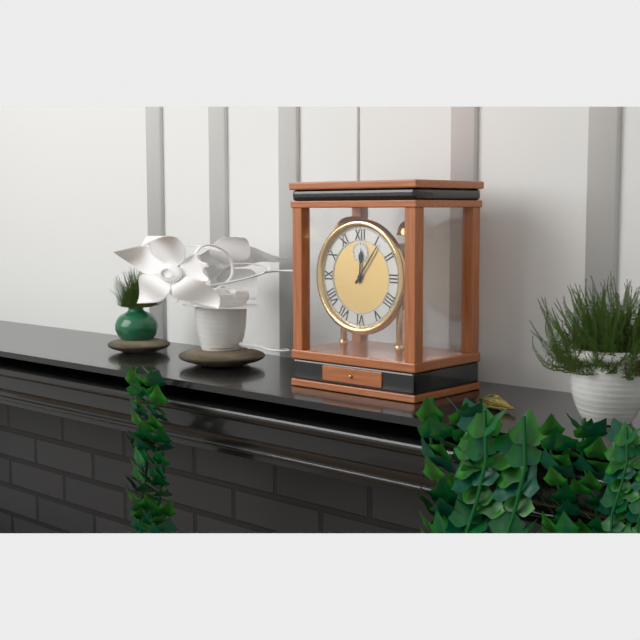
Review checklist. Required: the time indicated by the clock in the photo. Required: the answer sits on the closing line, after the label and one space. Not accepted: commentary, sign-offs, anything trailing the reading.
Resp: 12:06
